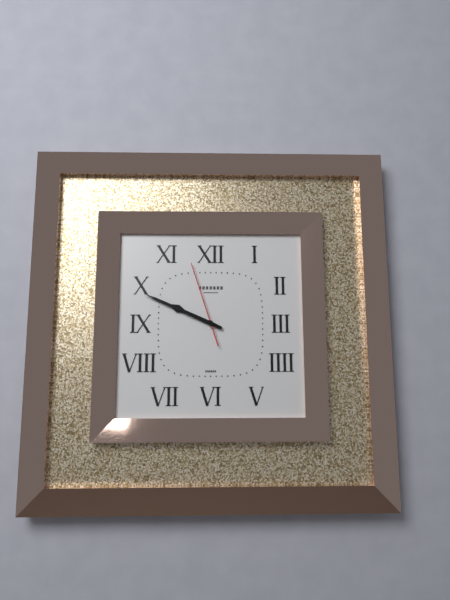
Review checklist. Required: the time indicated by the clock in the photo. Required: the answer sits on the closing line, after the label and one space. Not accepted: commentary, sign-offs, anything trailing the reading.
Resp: 9:49:57
